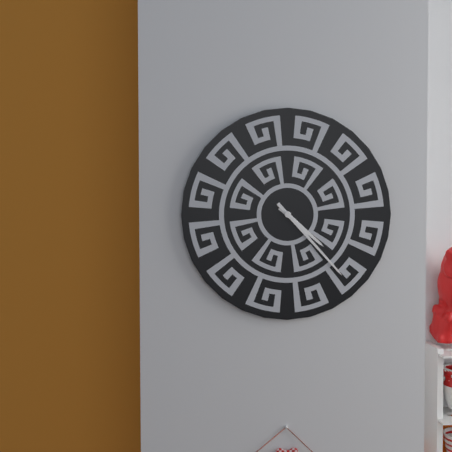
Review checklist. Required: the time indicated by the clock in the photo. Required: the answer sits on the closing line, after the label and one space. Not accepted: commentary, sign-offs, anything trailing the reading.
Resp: 4:23
